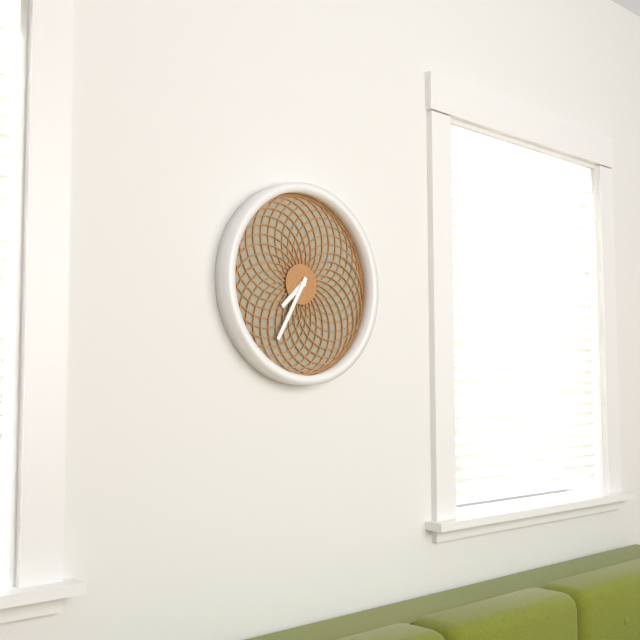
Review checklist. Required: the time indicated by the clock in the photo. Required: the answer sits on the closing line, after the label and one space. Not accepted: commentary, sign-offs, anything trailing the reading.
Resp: 7:35
